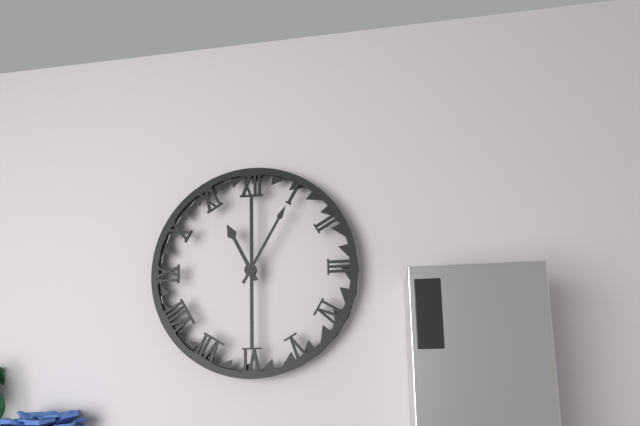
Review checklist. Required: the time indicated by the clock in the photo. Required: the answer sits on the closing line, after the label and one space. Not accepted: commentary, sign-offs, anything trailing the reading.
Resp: 11:05
